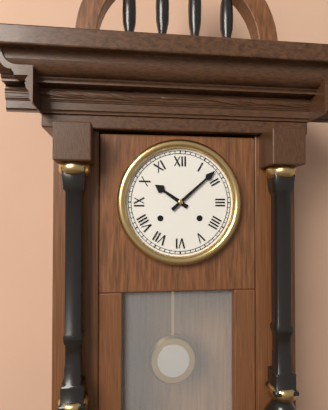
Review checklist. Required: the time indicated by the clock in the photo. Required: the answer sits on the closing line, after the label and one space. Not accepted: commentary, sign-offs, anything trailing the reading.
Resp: 10:08
